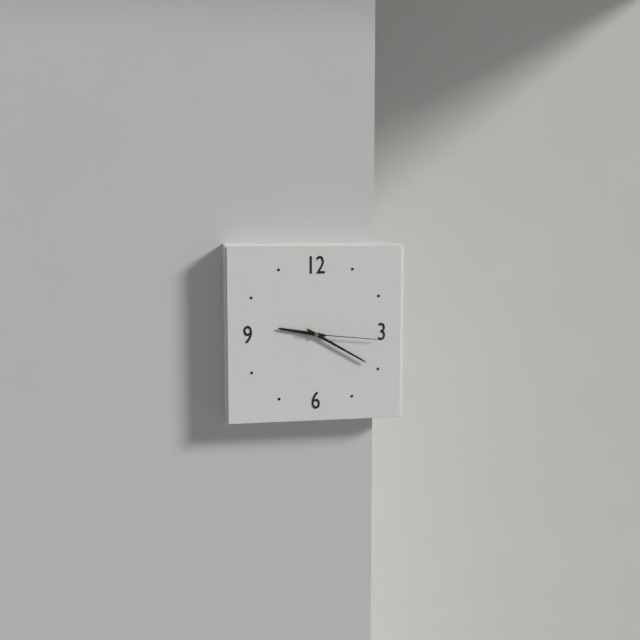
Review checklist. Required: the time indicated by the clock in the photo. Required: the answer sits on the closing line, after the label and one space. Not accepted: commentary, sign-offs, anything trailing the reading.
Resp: 9:20:16
